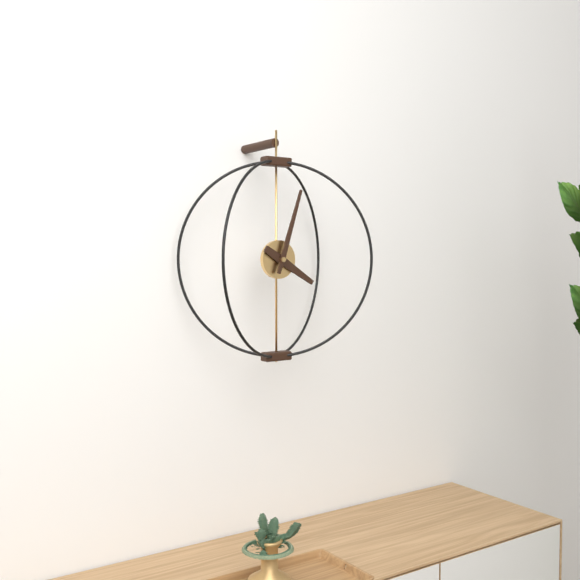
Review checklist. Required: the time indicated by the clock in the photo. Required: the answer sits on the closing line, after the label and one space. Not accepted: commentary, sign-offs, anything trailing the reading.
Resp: 4:03
